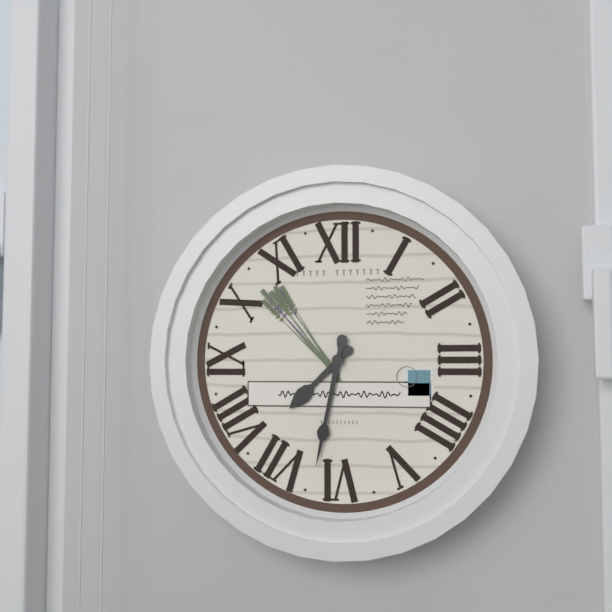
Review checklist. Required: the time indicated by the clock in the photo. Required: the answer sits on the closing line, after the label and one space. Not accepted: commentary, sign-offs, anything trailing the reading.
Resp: 7:32
